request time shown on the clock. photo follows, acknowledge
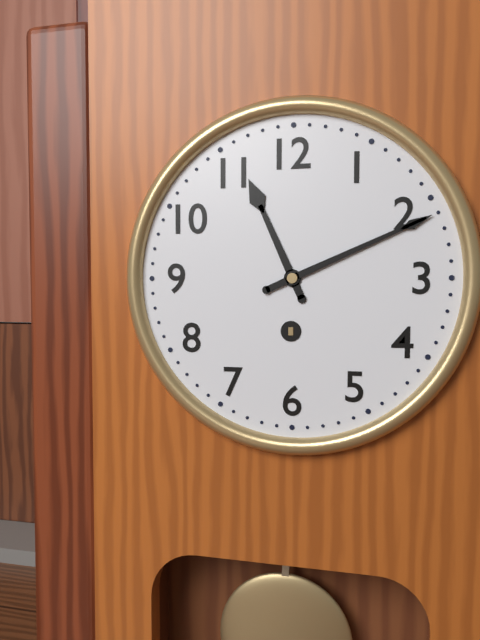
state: 11:11
